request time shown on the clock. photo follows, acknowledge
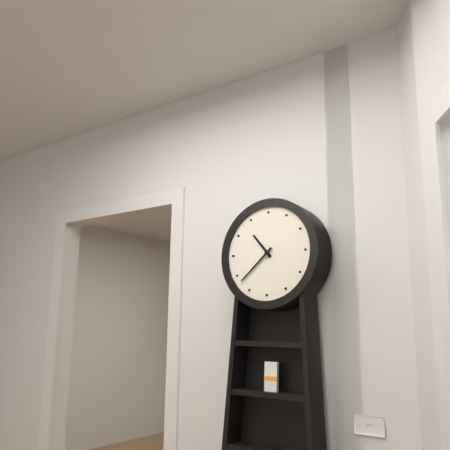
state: 10:38
